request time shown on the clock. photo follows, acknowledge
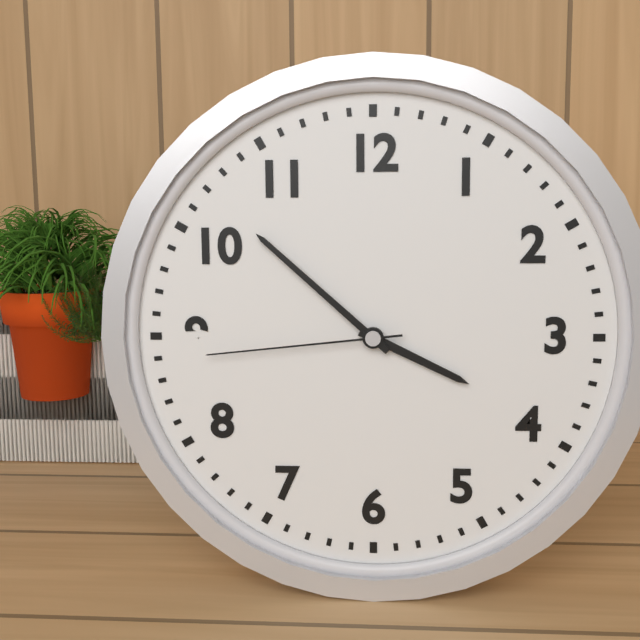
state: 3:52:44
